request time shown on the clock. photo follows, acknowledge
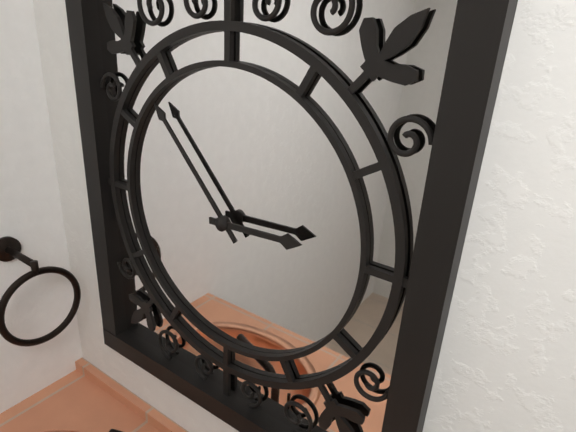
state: 2:53
